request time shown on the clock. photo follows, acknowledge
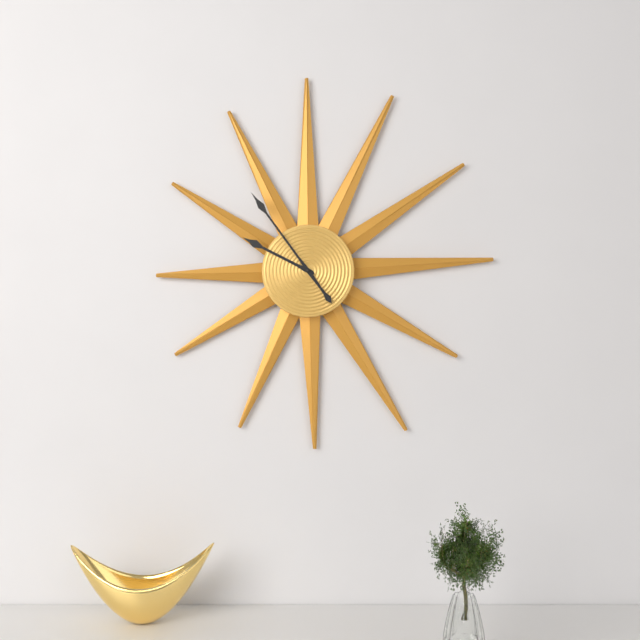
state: 9:54
